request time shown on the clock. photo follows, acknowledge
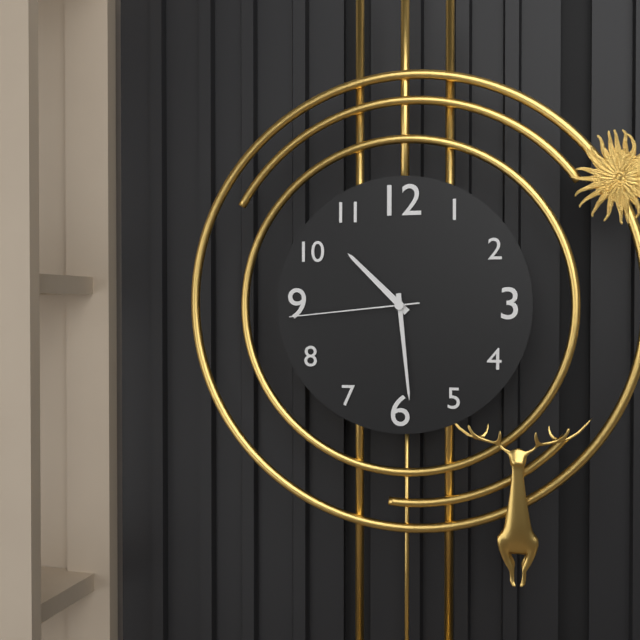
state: 10:29:44
